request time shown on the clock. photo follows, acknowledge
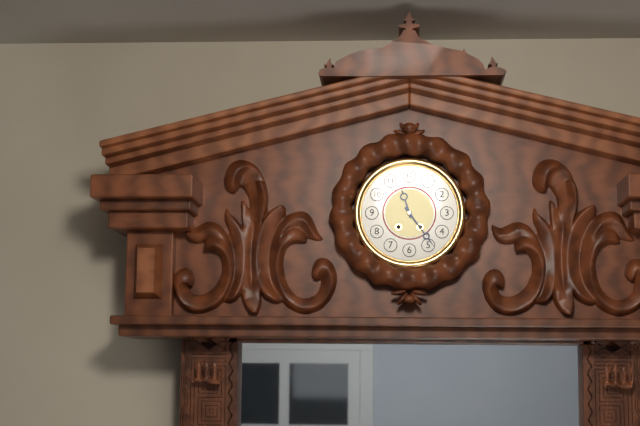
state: 11:24
